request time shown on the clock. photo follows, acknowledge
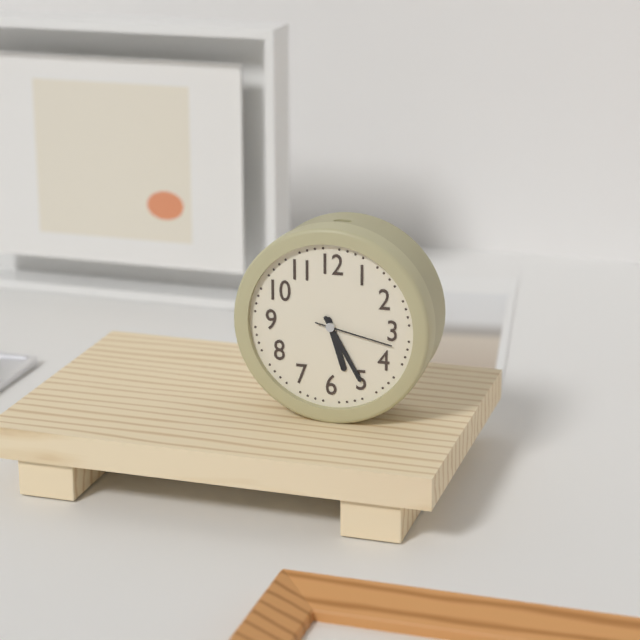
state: 5:25:17
